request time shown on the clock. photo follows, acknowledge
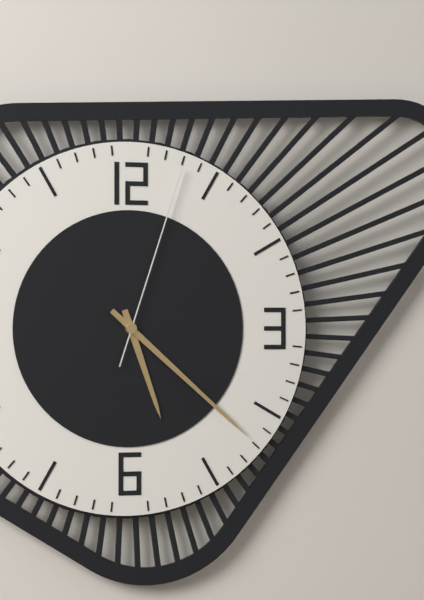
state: 5:22:03
